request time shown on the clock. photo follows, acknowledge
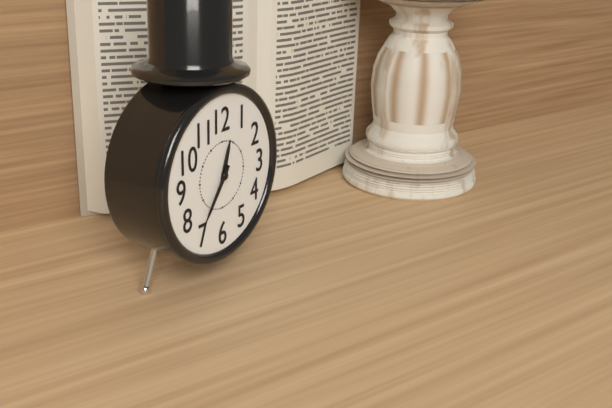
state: 12:36
